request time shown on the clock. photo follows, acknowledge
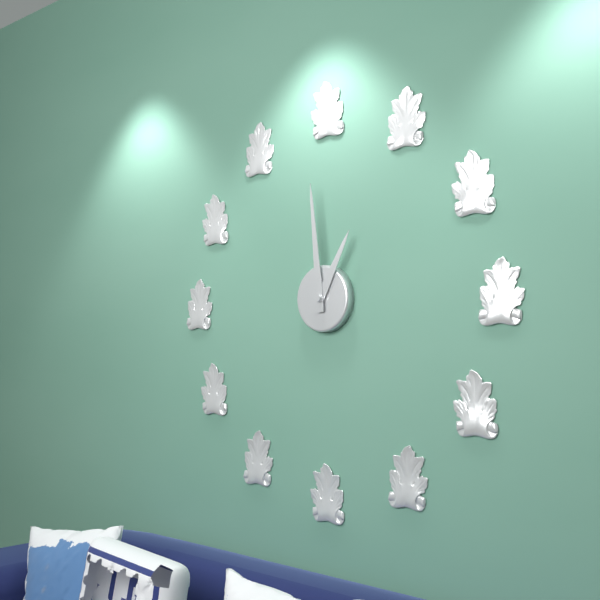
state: 12:59
